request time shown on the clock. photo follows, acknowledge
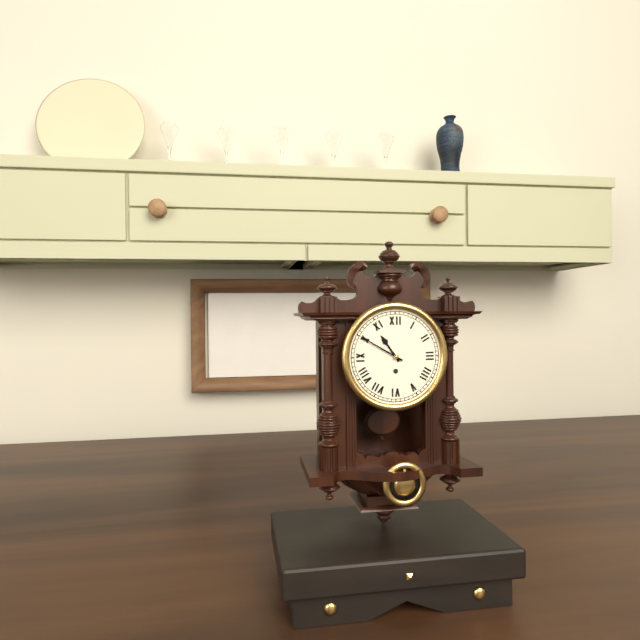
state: 10:50
